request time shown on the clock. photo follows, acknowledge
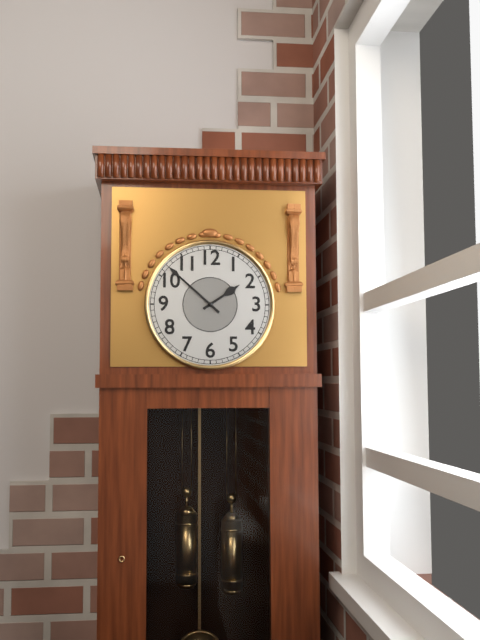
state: 1:52
